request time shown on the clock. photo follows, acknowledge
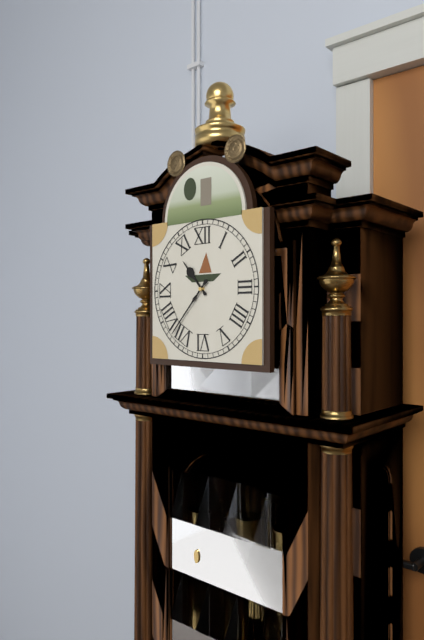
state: 10:37
